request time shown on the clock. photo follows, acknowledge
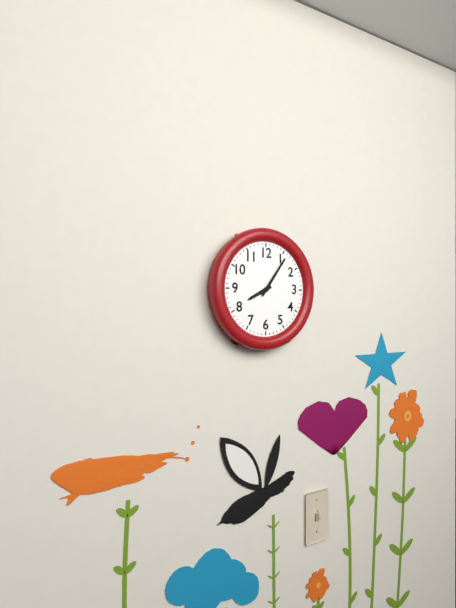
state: 8:06
